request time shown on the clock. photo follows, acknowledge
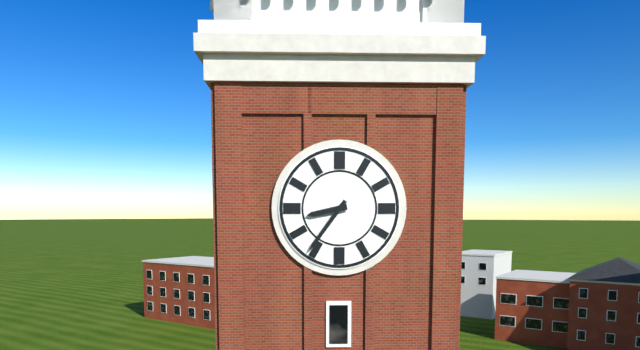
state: 8:36
